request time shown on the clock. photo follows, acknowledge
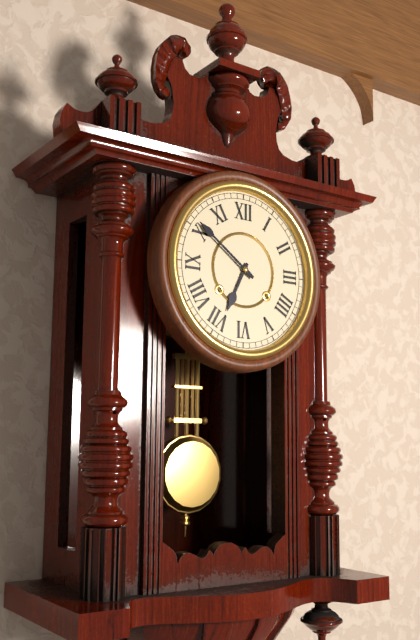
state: 6:51
